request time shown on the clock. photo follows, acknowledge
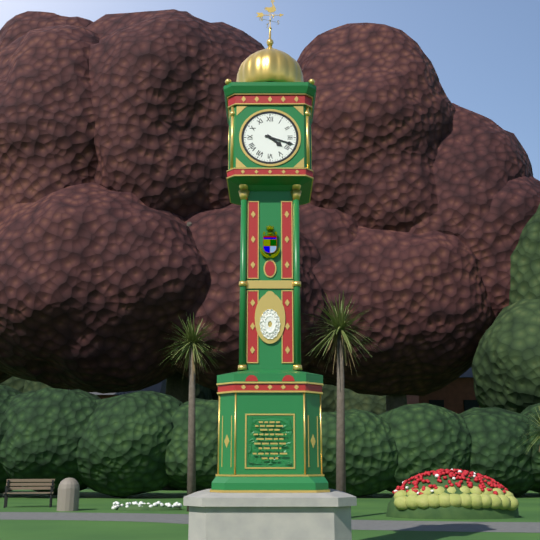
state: 4:18
